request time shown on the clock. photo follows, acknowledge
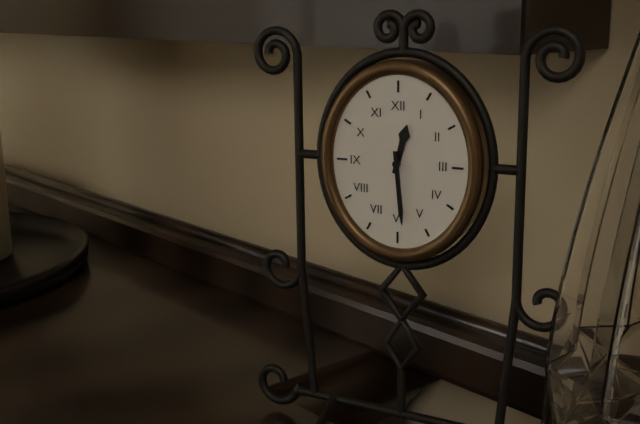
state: 12:29
